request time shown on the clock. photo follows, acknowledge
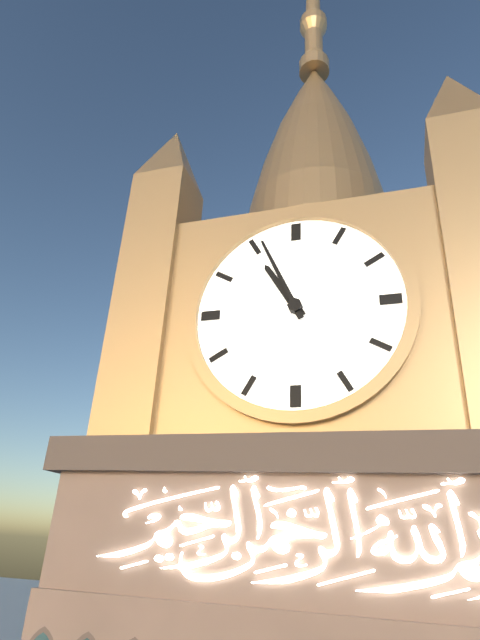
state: 10:56
